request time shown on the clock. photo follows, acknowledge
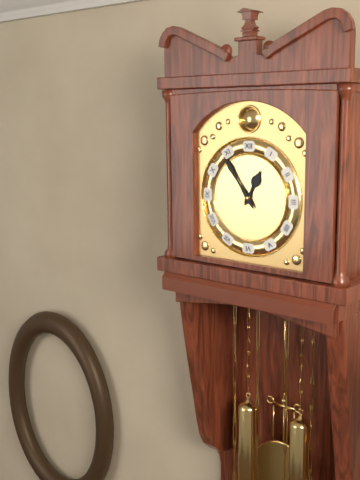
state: 12:54
